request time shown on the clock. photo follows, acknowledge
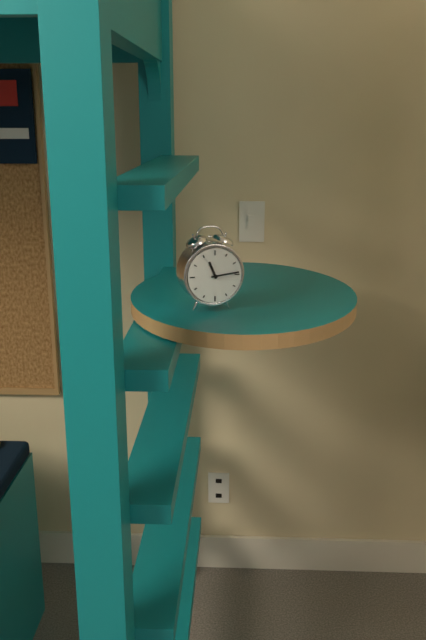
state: 11:14
